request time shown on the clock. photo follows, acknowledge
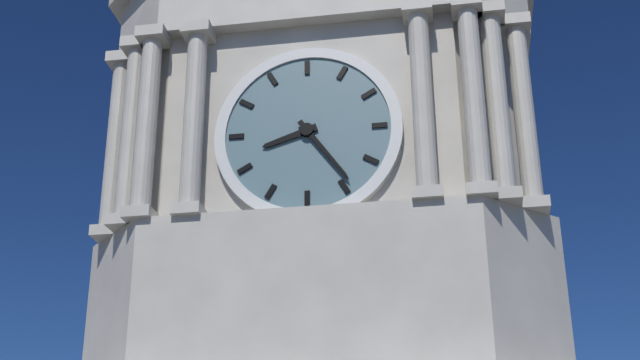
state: 8:24
